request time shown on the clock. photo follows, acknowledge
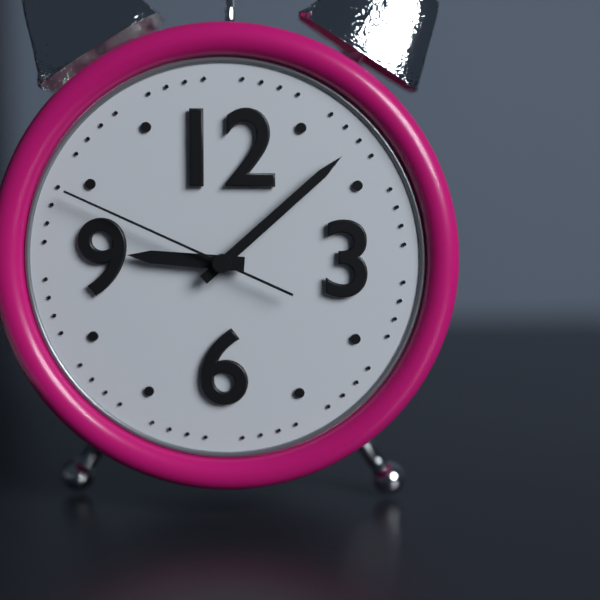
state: 9:08:49
